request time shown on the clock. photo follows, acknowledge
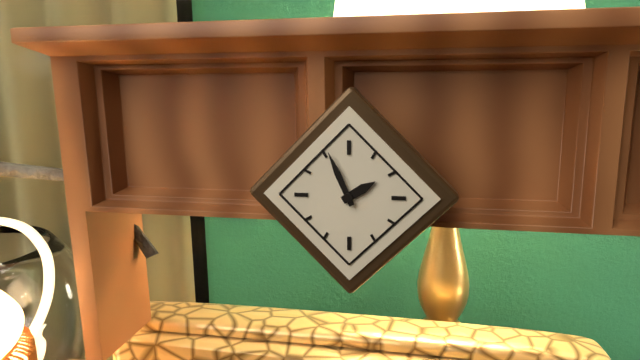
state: 1:56
